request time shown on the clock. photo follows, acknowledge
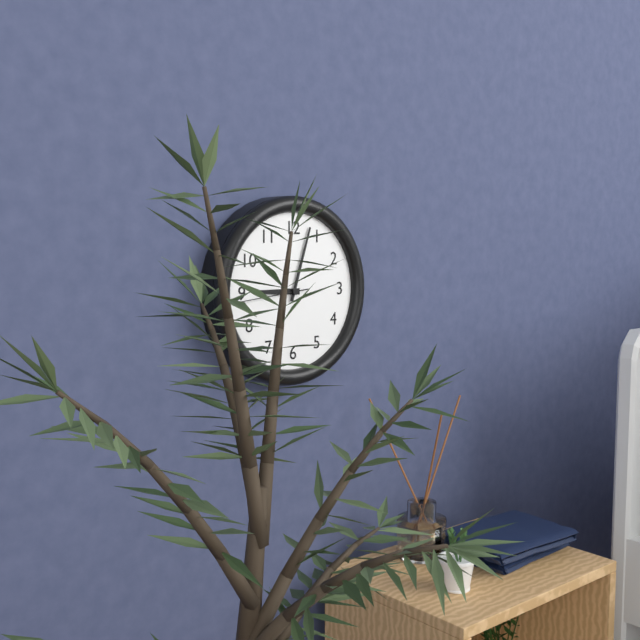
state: 9:03:44
